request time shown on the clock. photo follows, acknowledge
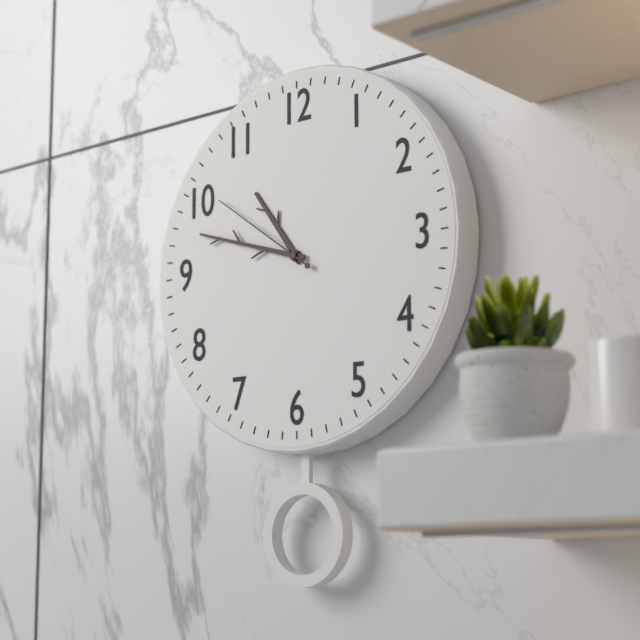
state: 10:48:51
